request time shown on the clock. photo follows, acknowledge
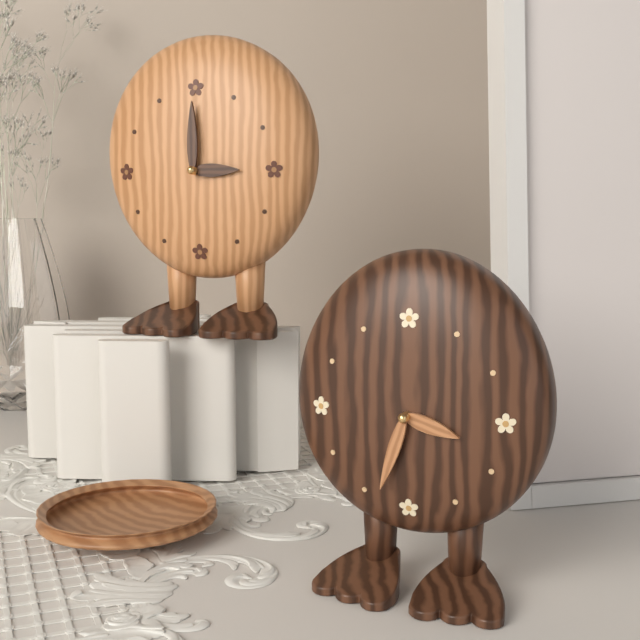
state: 3:33
